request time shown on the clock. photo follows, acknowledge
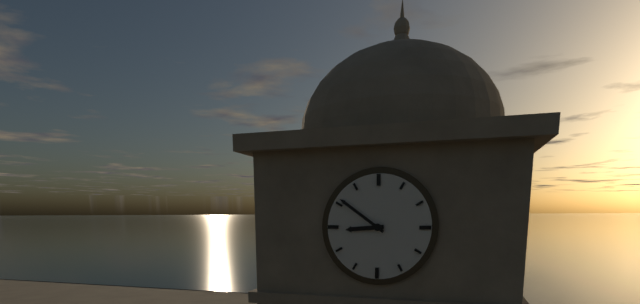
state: 8:51
